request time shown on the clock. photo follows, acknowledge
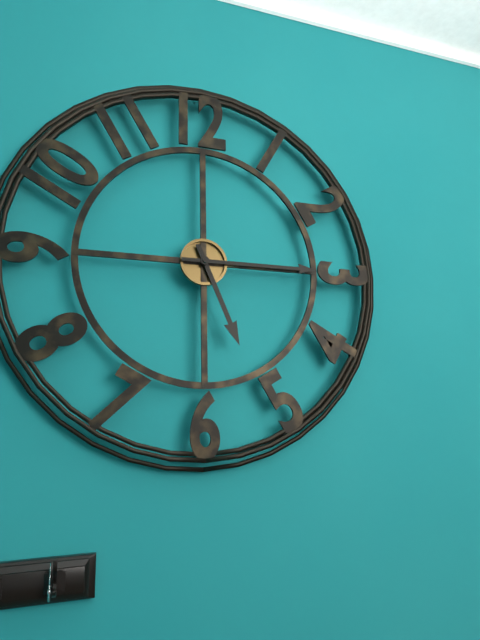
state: 5:15
